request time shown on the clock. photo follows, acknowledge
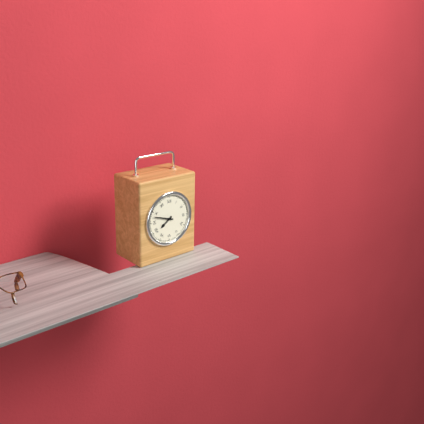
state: 7:48
